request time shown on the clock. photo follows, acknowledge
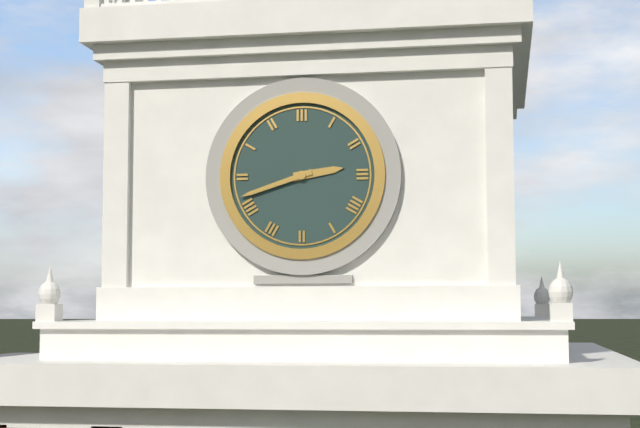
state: 2:42
